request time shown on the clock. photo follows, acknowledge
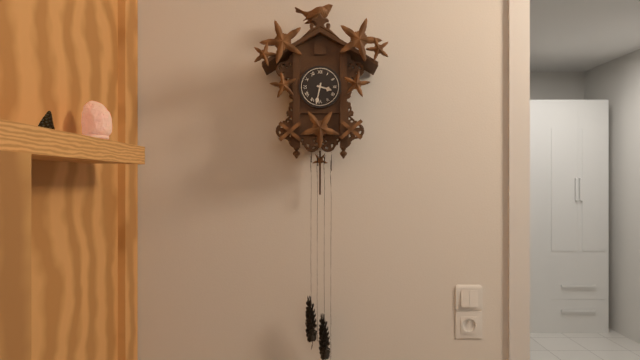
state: 3:32
